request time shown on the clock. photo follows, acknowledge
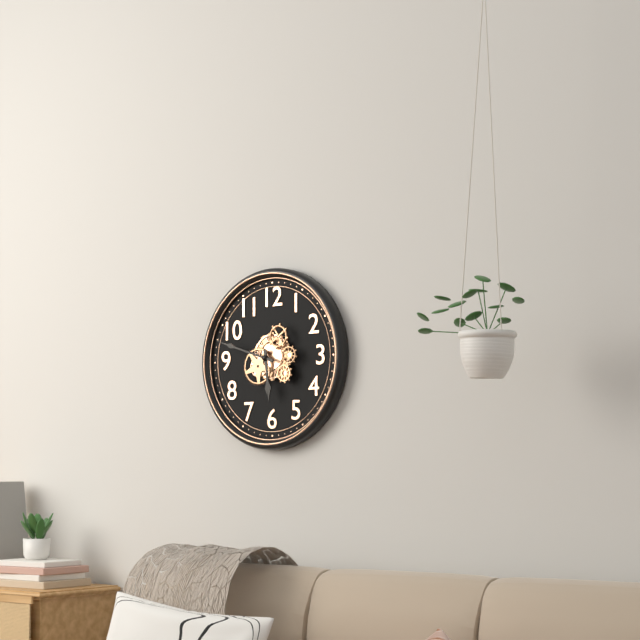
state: 5:48
